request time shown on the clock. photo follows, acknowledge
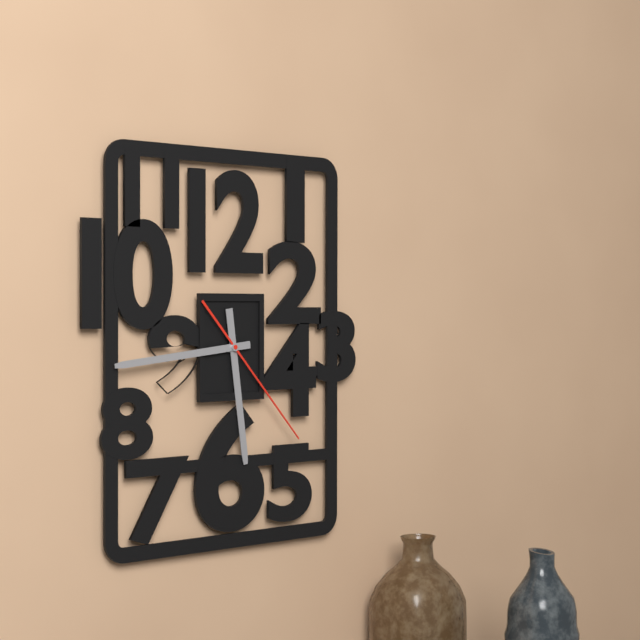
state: 5:44:23
